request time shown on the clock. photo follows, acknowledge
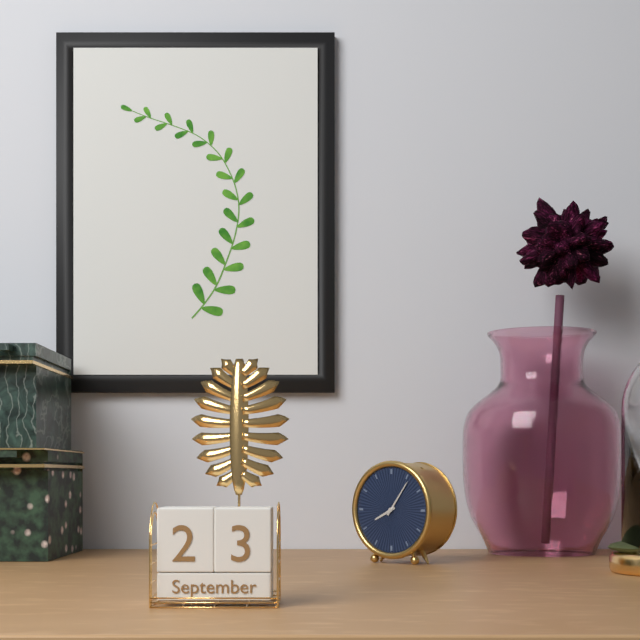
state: 8:06
